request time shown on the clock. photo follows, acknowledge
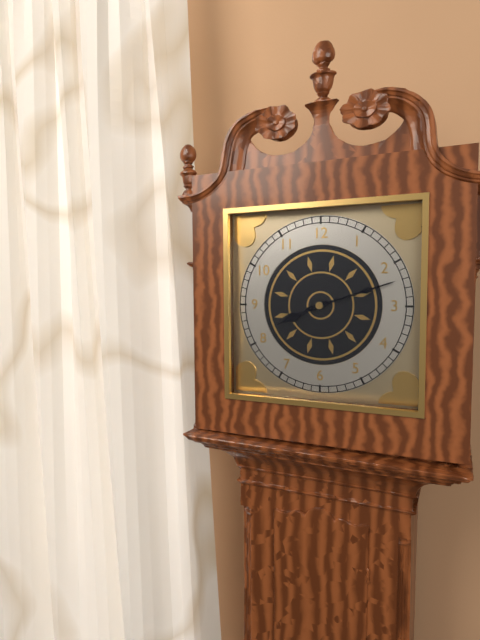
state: 8:12
